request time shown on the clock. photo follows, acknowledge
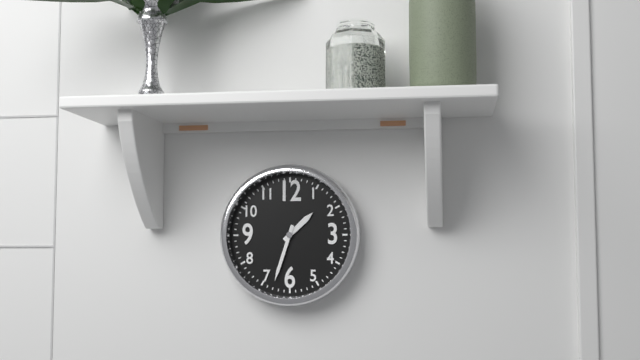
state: 1:33
